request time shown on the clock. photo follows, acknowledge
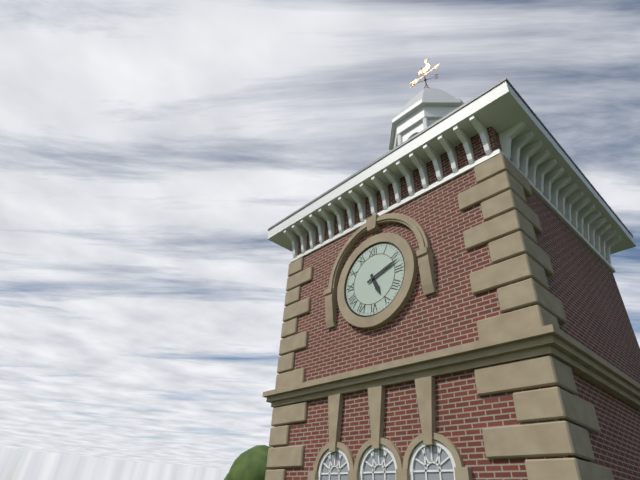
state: 5:12
